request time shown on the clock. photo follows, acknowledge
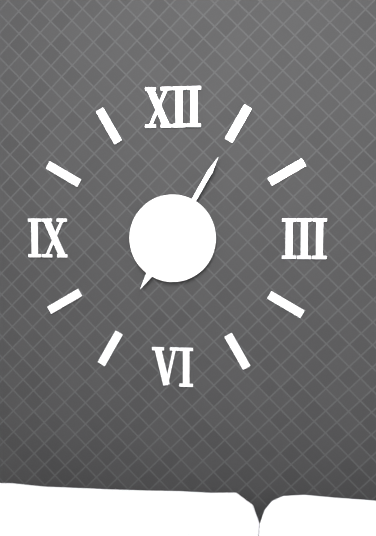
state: 7:05
